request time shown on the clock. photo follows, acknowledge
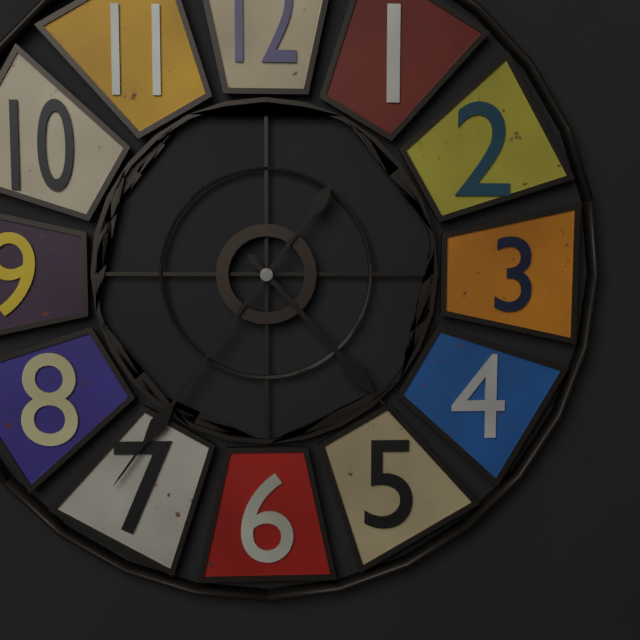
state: 4:36
